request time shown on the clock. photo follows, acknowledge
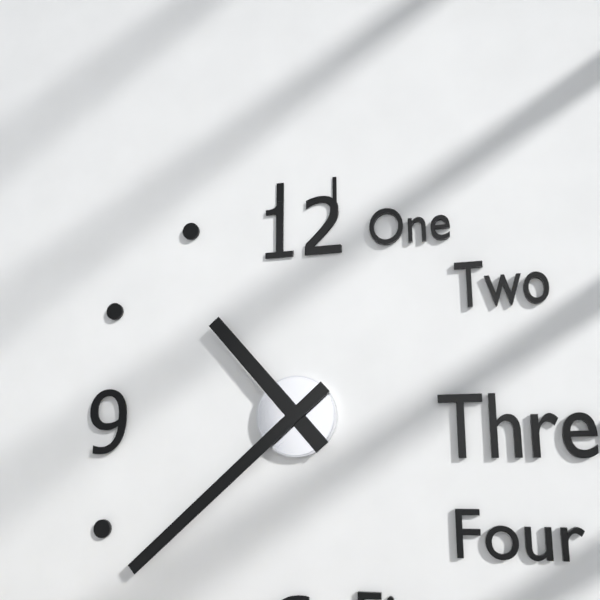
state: 10:38
